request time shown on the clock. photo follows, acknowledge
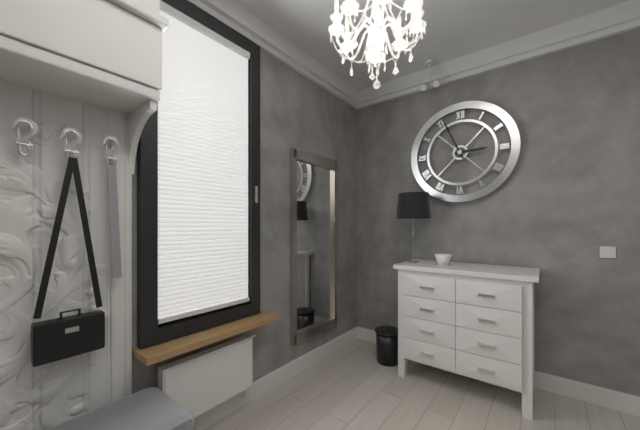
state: 2:56
